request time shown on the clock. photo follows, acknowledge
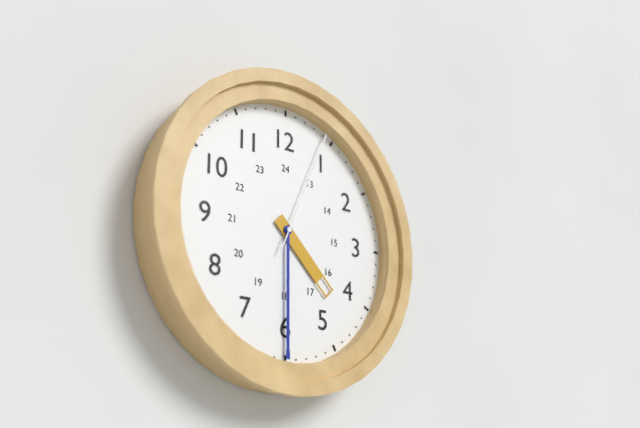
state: 4:30:04
